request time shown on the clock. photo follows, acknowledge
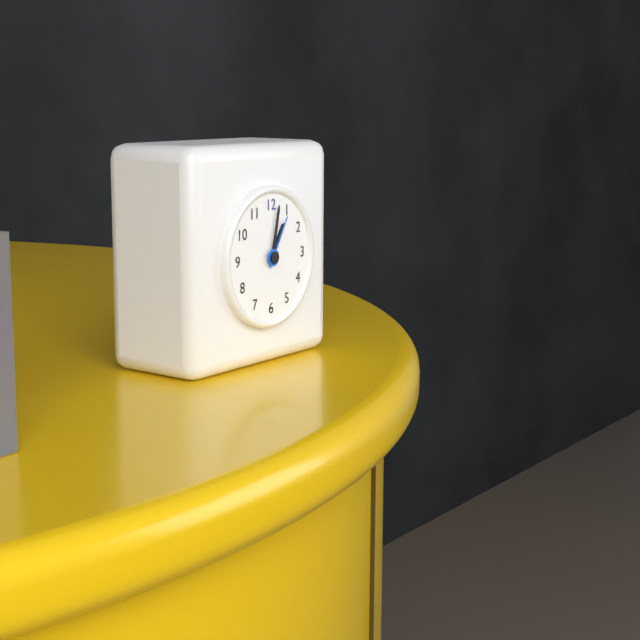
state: 1:02:05
